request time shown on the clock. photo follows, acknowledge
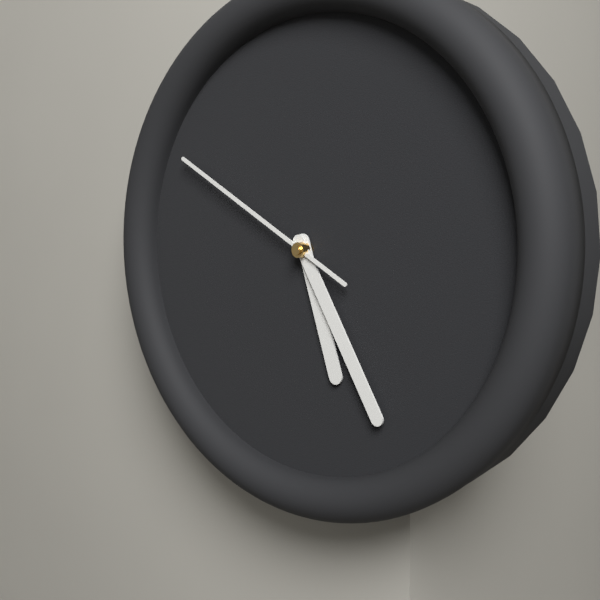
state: 5:25:50
